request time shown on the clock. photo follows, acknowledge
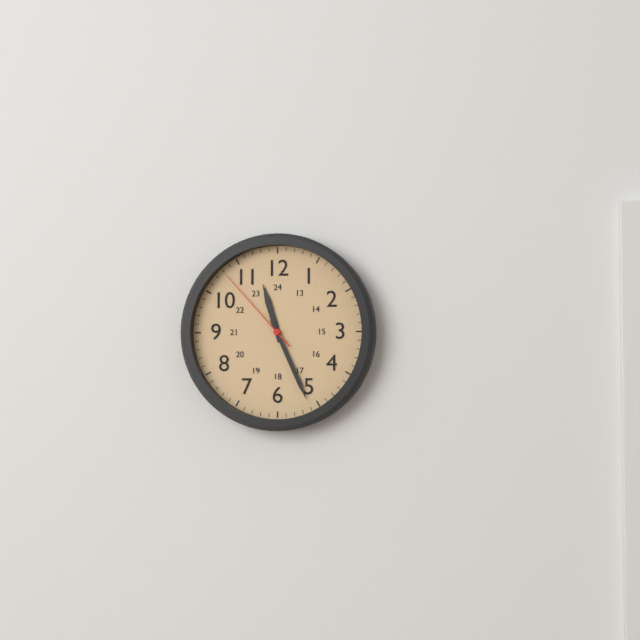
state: 11:26:53
